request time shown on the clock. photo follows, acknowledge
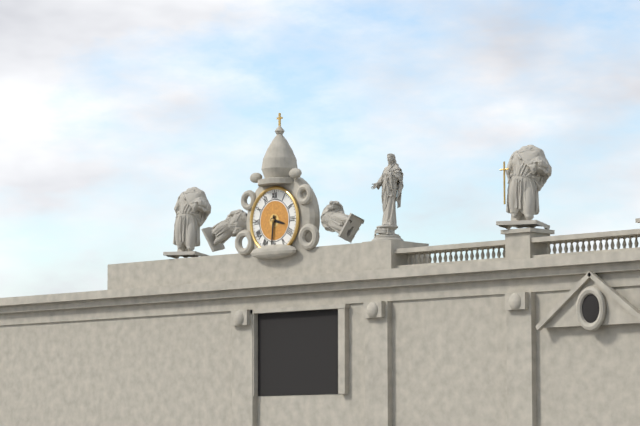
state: 3:31
